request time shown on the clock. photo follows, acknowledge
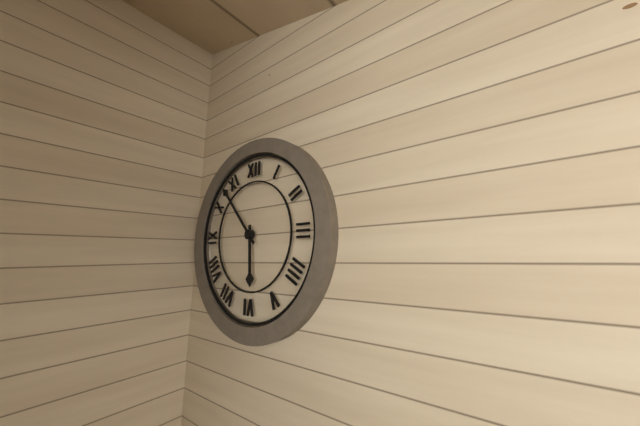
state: 5:53
